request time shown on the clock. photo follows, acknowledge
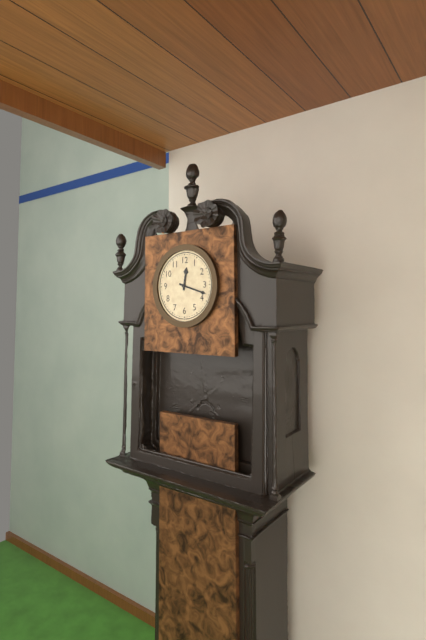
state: 12:18
